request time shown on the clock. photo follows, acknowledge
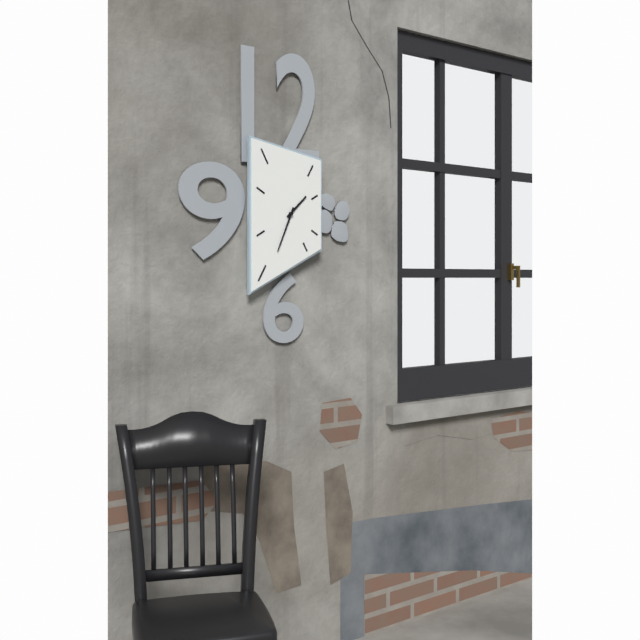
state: 1:34
